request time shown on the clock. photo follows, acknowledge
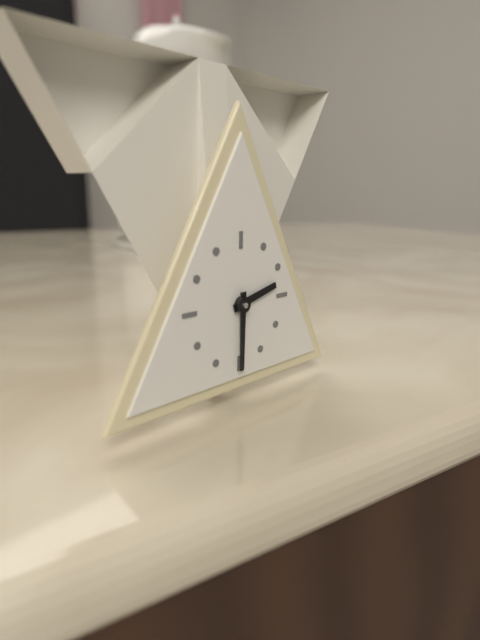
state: 2:30
